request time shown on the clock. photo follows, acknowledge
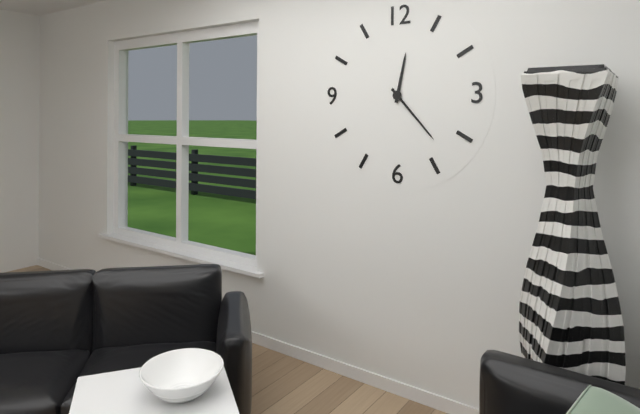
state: 12:23
